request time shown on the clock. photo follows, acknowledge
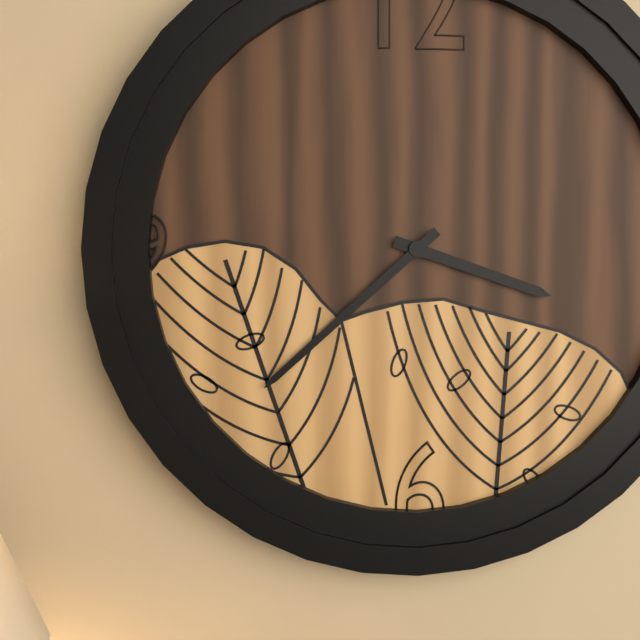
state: 3:38
